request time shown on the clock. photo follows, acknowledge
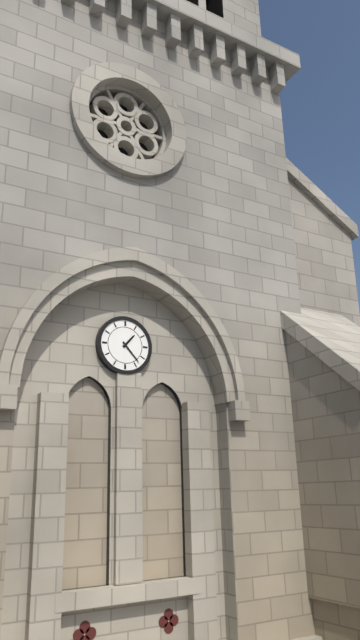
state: 1:23
